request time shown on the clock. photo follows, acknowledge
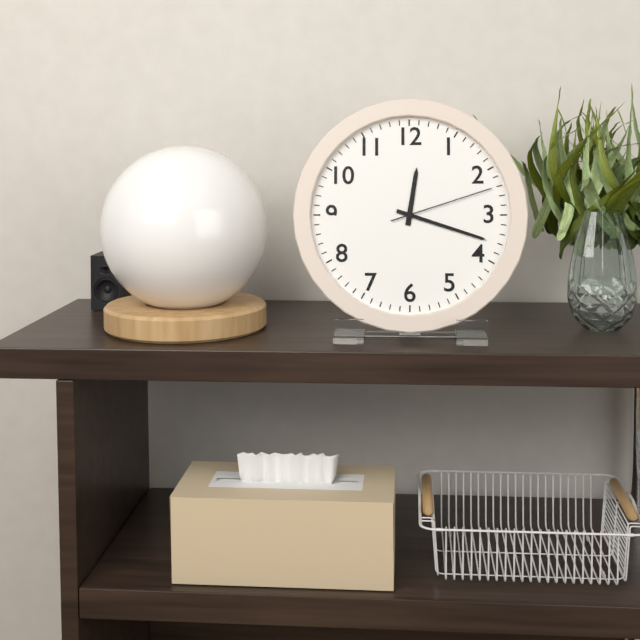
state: 12:18:12
